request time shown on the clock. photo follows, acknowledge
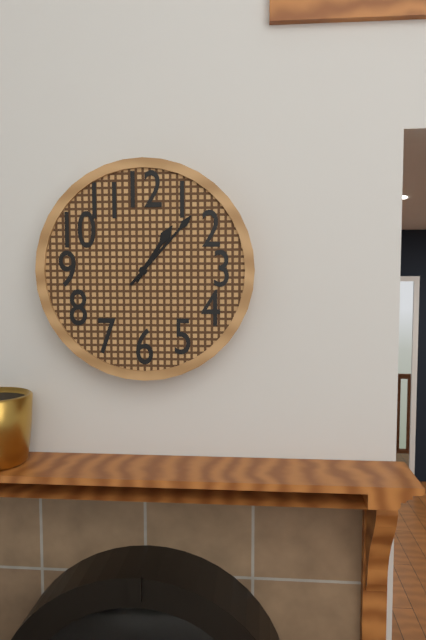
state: 1:07
